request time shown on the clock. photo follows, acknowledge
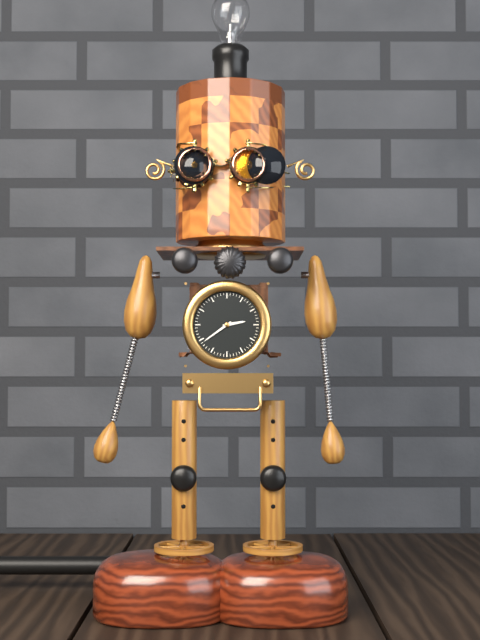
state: 2:39
